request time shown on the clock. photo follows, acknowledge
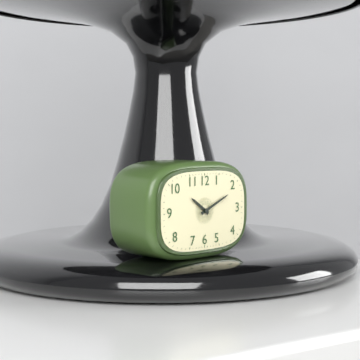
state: 10:11
